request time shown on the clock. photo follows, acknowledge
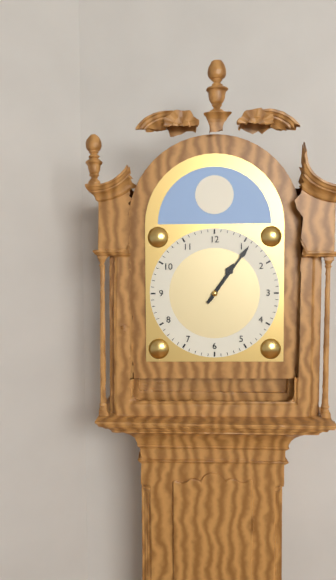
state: 1:06
